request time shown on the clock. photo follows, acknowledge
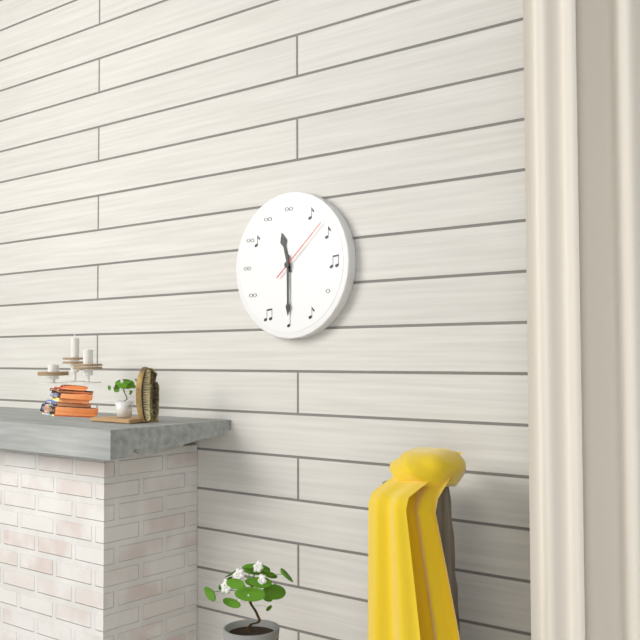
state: 11:30:08
